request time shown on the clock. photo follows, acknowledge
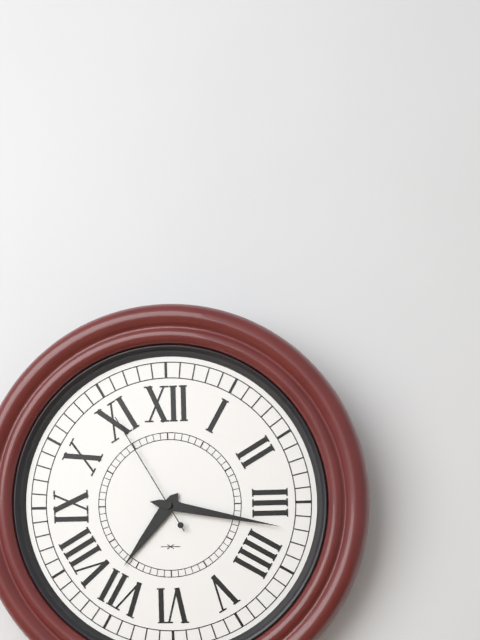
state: 7:17:55
